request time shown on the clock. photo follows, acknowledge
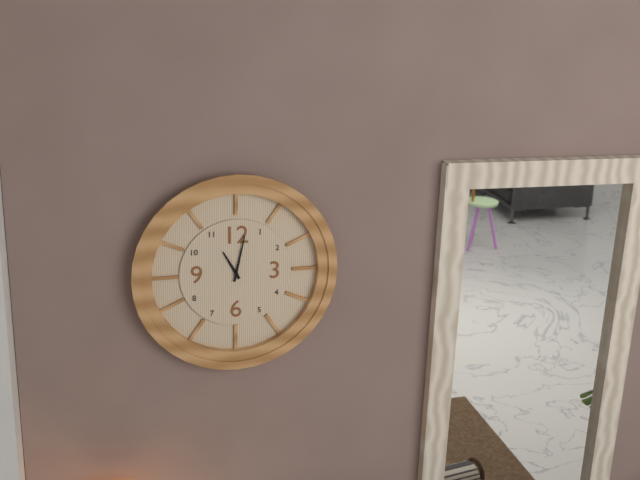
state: 11:02
